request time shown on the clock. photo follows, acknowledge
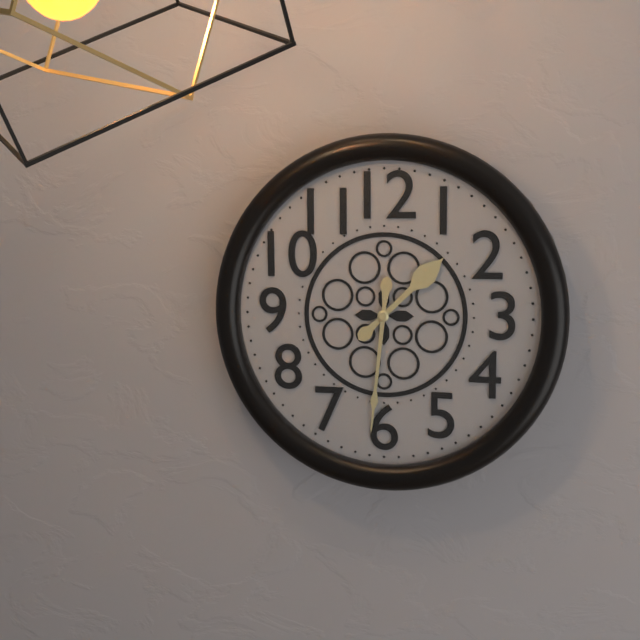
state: 1:31
